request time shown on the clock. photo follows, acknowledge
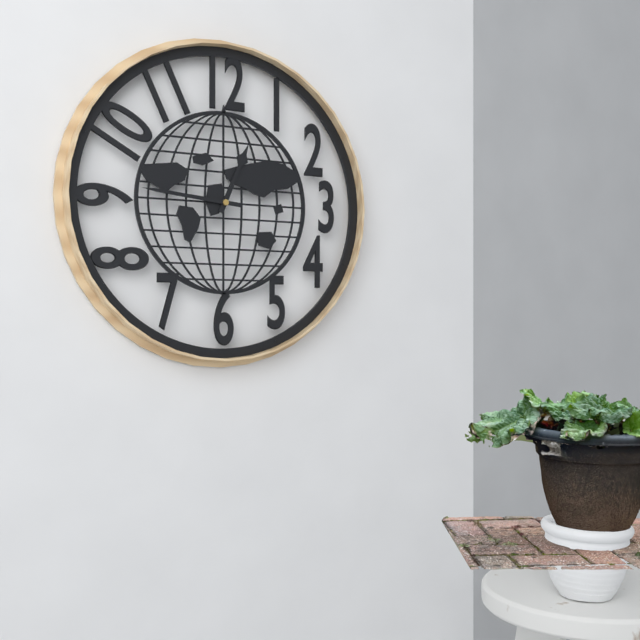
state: 12:46
